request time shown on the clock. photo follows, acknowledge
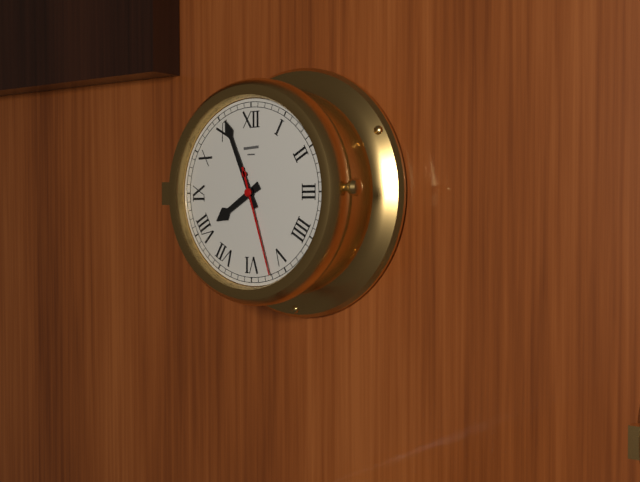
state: 7:56:27
